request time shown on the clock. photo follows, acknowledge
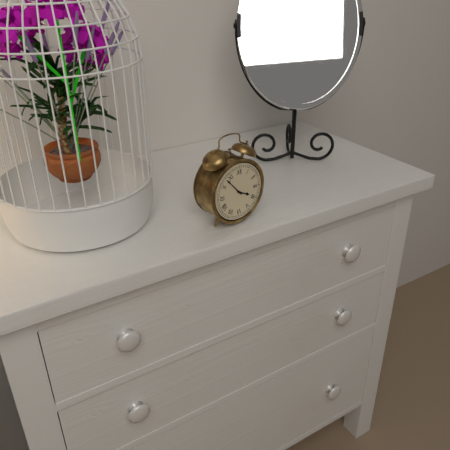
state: 3:53
